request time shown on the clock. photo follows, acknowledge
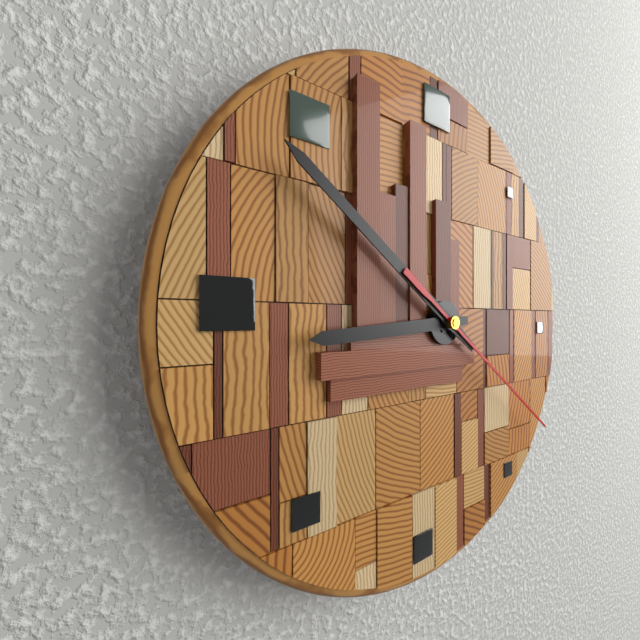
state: 8:51:21
